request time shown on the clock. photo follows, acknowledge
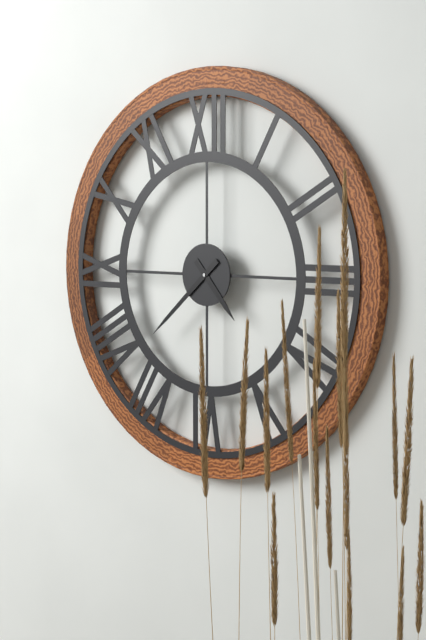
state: 4:38
